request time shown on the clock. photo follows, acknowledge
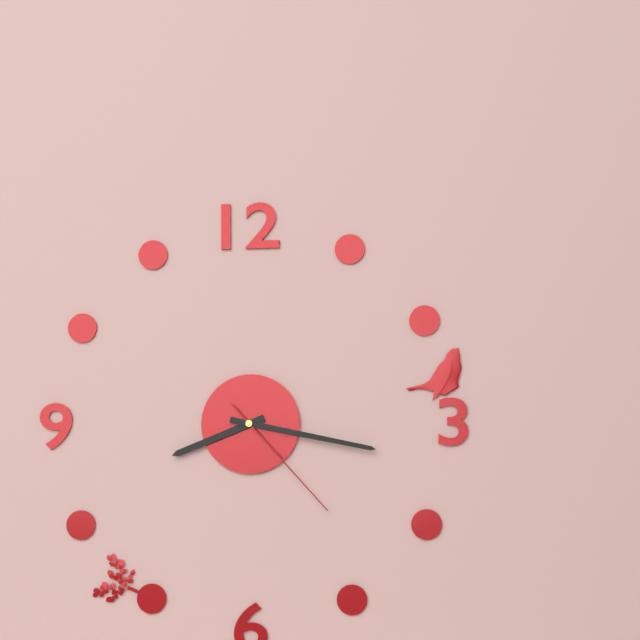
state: 8:17:23
